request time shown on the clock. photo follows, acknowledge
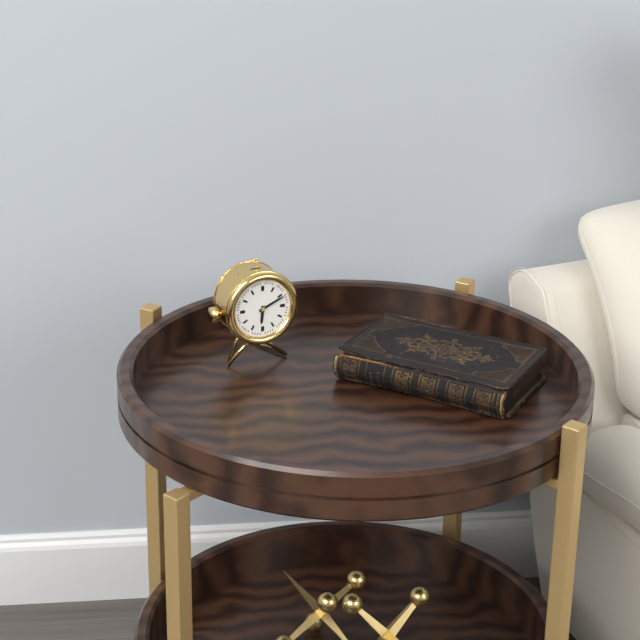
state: 6:11
